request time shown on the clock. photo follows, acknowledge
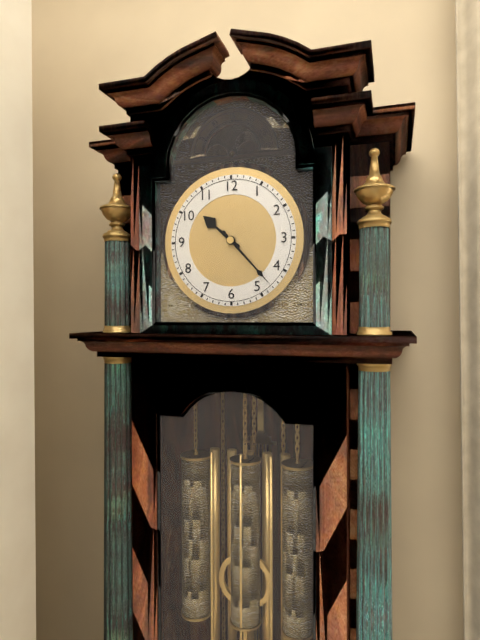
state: 10:23
